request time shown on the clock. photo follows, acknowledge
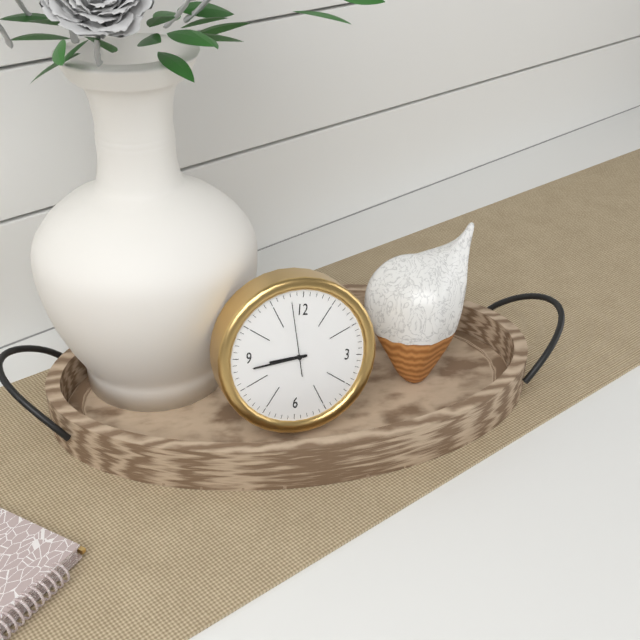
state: 8:43:58
